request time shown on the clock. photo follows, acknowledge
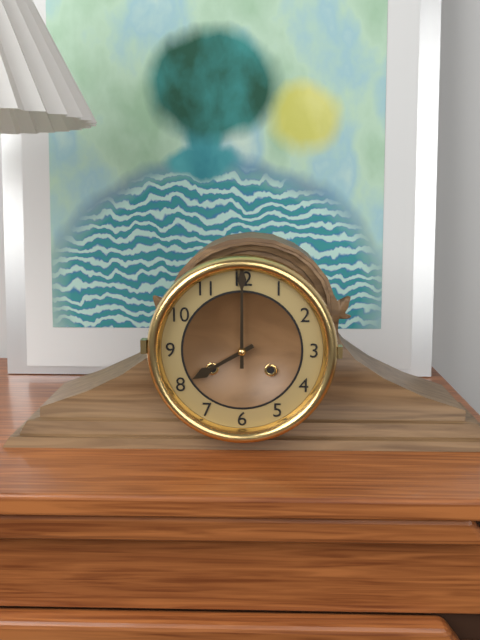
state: 8:00
